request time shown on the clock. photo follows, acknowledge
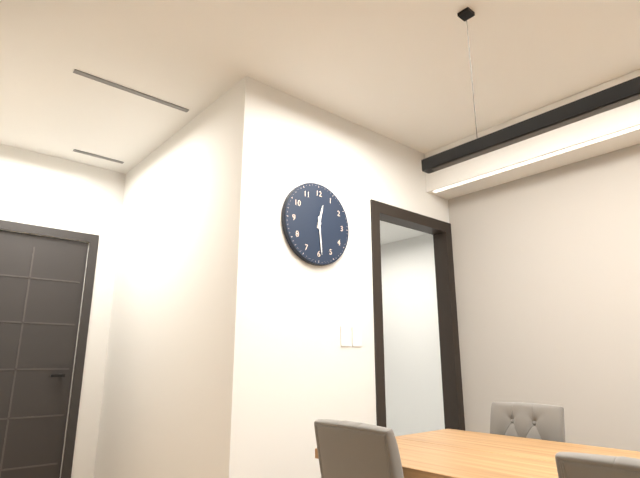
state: 12:29
